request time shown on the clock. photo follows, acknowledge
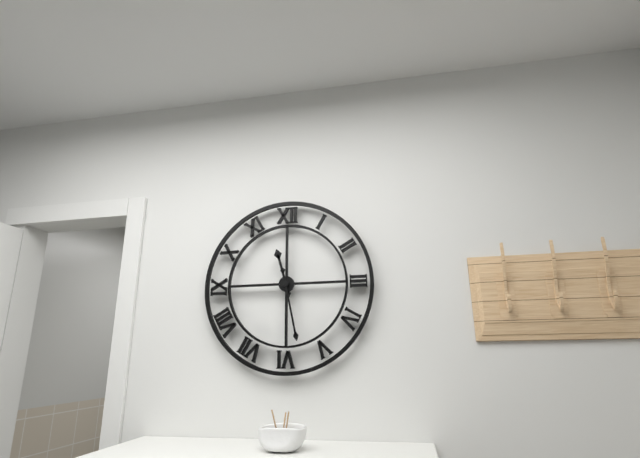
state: 11:28
